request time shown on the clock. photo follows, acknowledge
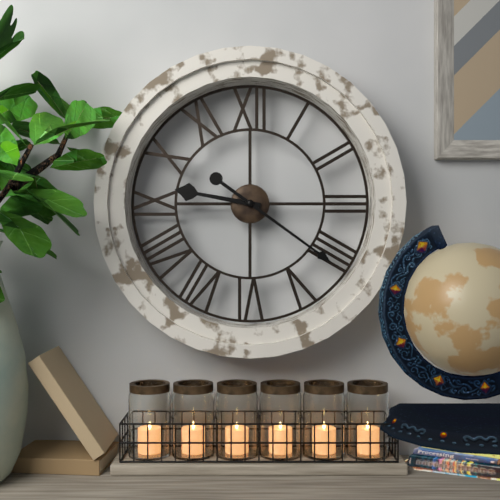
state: 9:21
